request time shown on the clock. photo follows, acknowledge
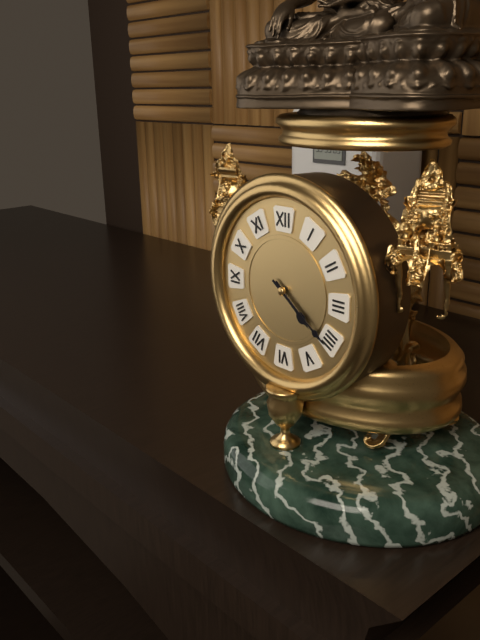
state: 4:21
